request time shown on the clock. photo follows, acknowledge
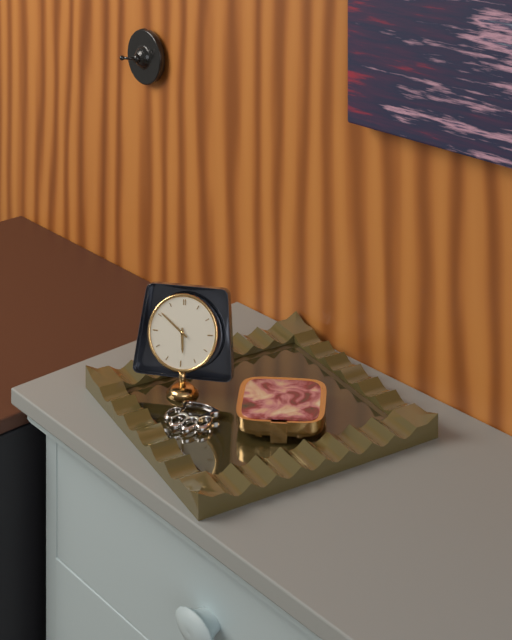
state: 5:51
